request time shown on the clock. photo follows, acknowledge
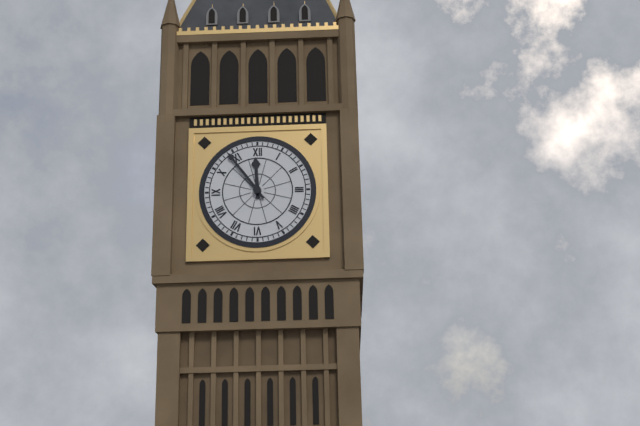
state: 11:54
